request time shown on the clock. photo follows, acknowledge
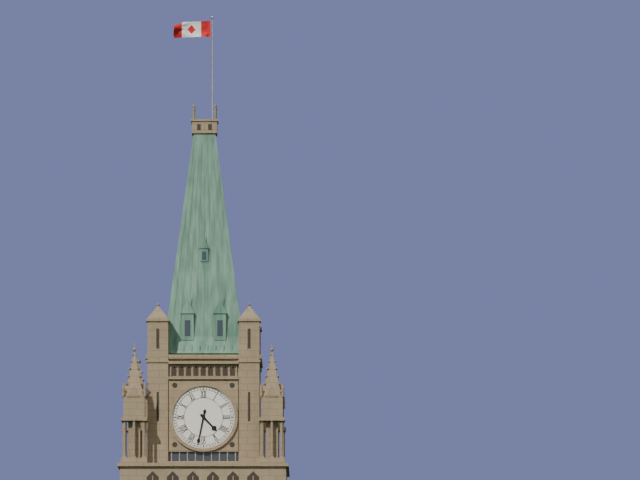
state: 4:32
